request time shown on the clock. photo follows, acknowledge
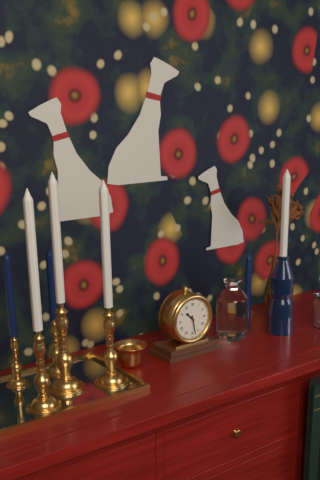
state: 10:28
